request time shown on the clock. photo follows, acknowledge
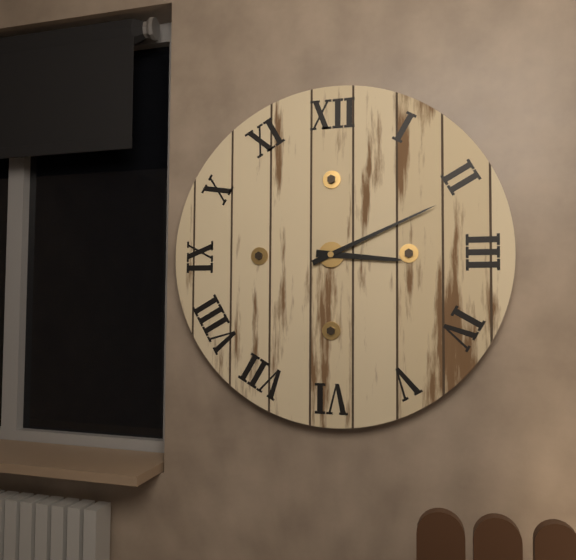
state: 3:11
